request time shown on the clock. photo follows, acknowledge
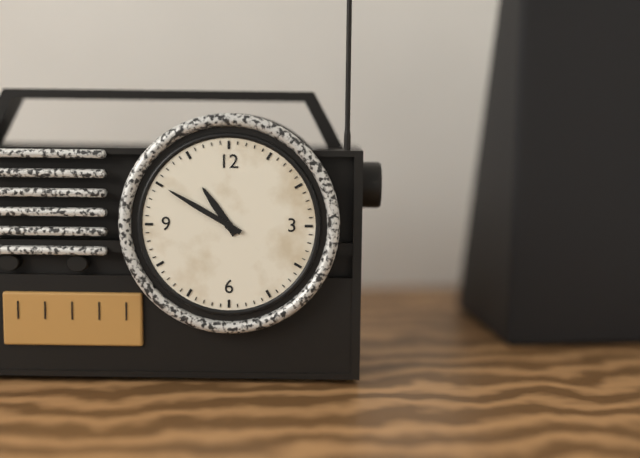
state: 10:50
